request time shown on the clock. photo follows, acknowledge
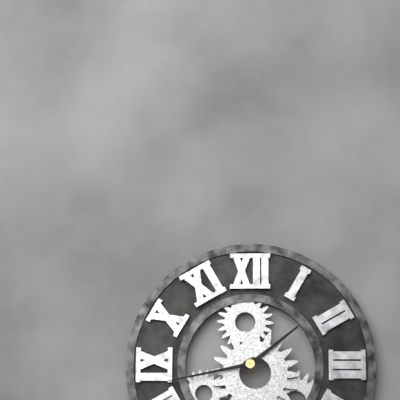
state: 1:43
